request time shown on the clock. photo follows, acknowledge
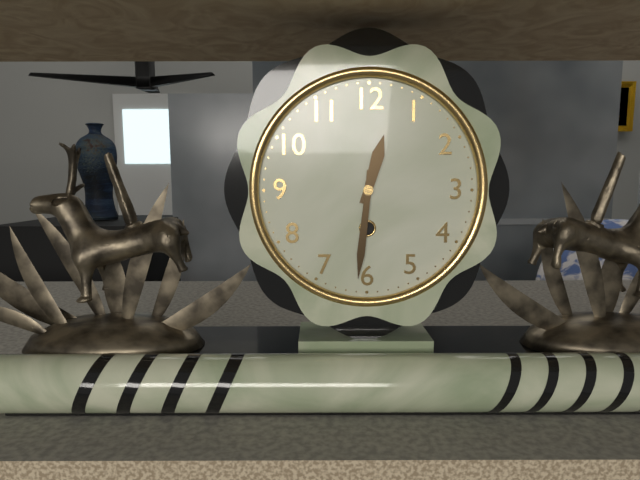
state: 12:31
